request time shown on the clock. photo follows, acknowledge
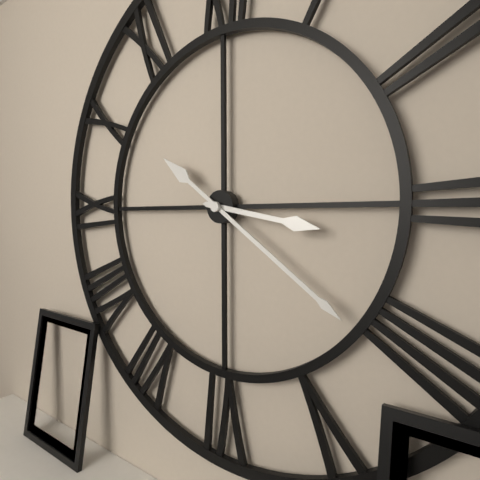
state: 3:21
